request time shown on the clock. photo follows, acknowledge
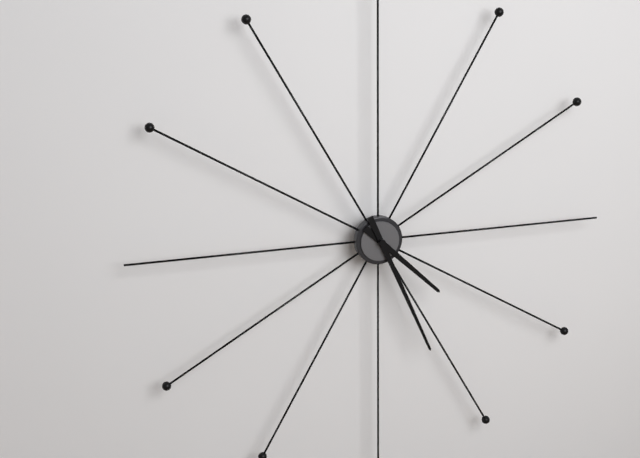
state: 4:26
